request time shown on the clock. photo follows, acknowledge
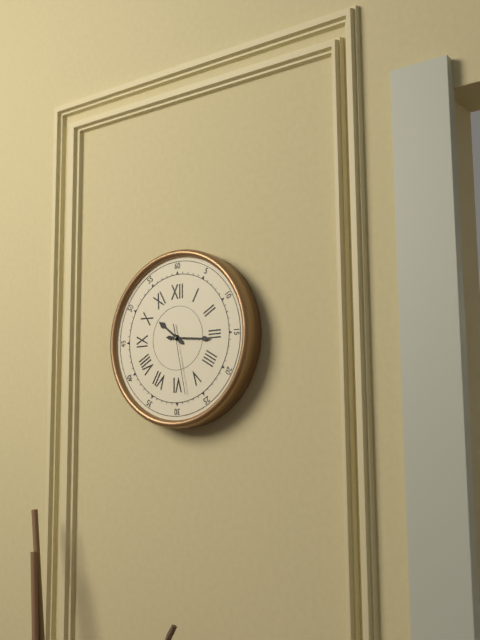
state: 10:16:28
